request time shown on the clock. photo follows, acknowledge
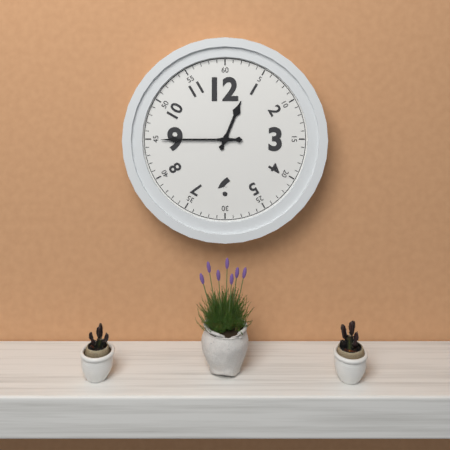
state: 12:45
